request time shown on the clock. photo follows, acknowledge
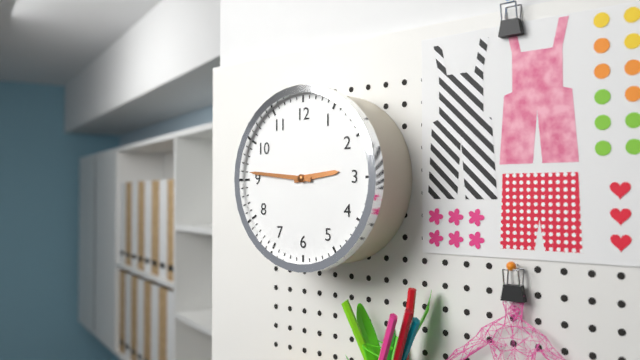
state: 2:46
